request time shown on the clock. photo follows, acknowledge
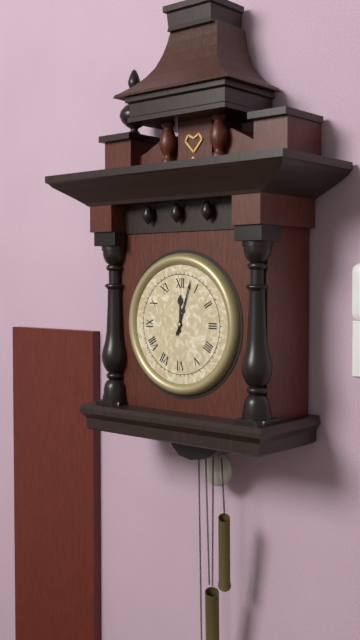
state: 12:03
